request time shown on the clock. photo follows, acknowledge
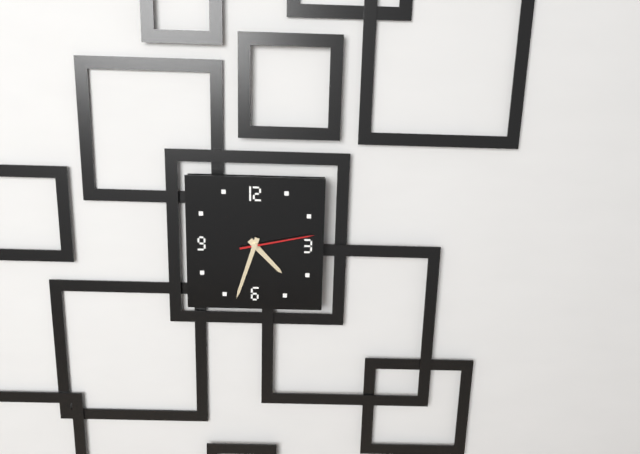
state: 4:33:13
